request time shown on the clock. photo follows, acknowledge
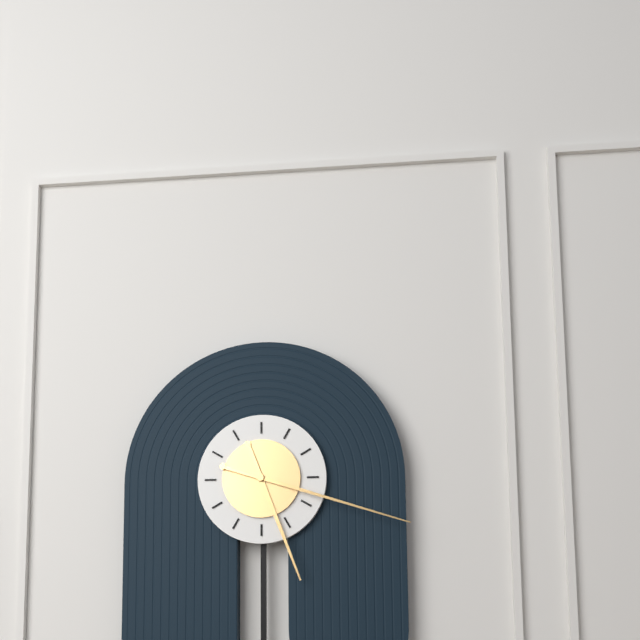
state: 5:18
